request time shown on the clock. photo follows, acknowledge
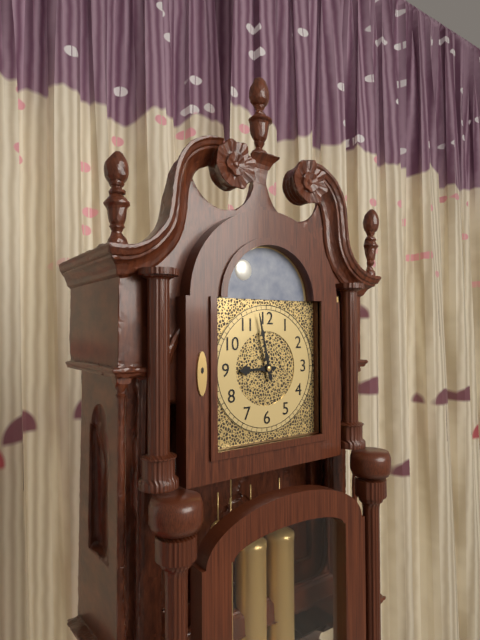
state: 8:58
